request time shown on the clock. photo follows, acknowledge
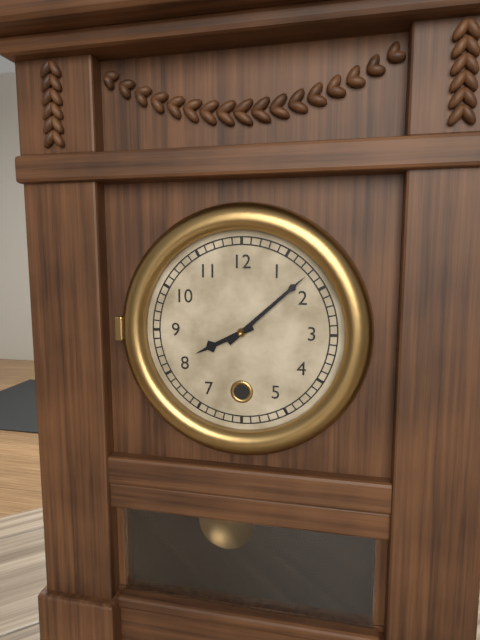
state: 8:08
